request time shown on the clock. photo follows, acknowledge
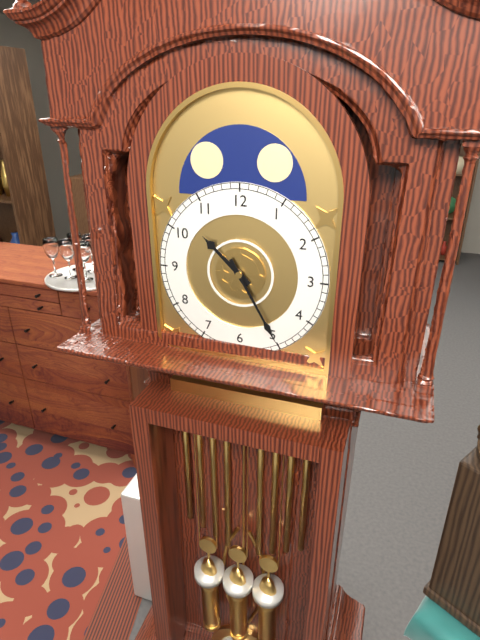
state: 10:25
